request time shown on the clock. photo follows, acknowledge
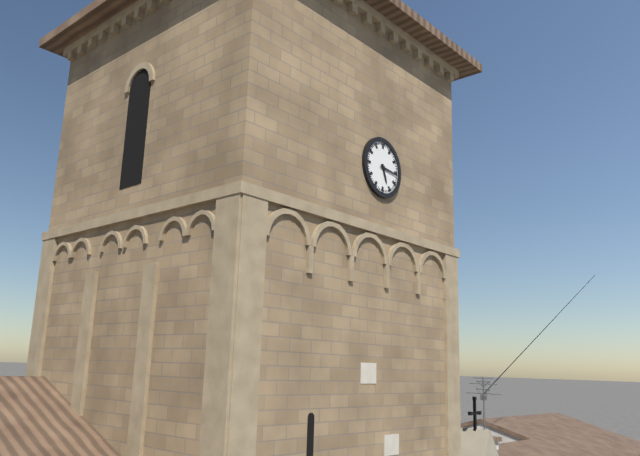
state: 5:16
